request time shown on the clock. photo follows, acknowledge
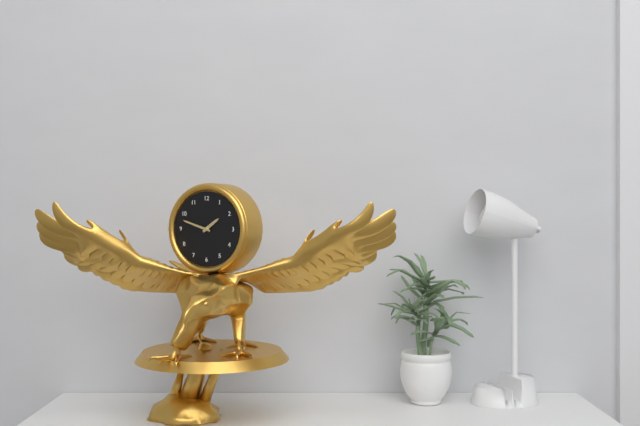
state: 1:48
